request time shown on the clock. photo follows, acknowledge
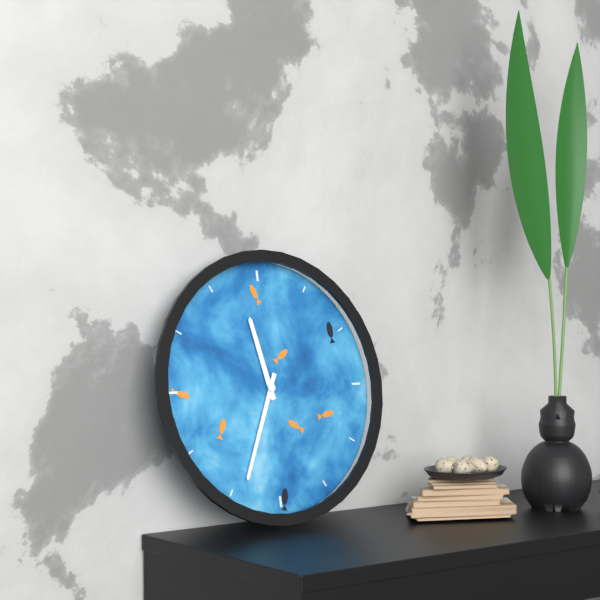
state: 11:34
